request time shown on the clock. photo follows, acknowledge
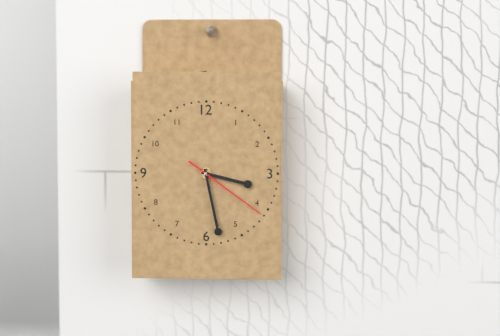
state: 3:28:21
